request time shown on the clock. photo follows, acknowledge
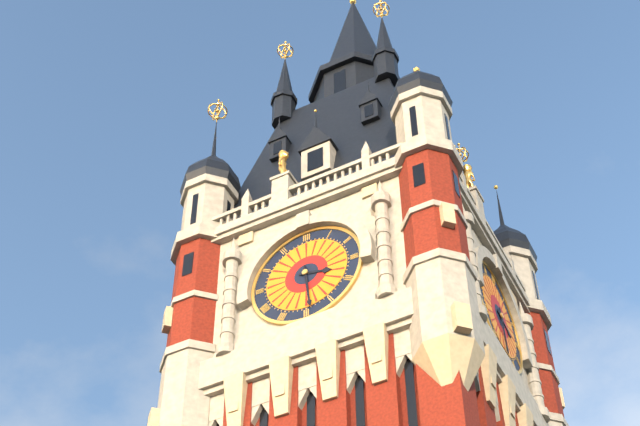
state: 3:29
